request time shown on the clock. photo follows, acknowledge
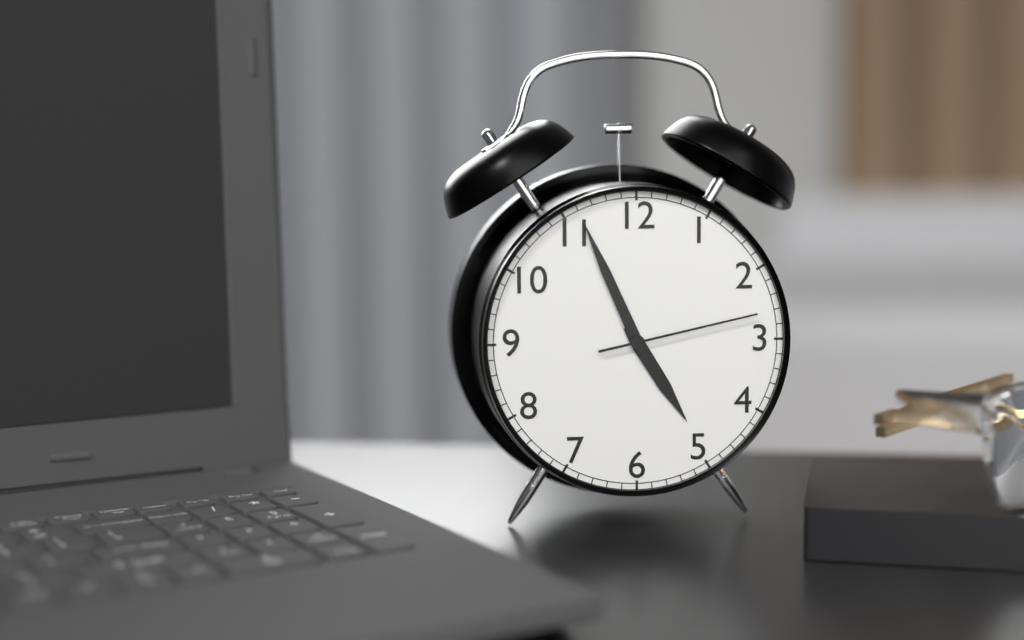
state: 4:56:13
